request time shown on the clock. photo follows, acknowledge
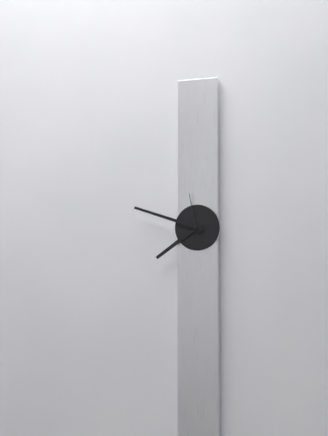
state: 7:48
